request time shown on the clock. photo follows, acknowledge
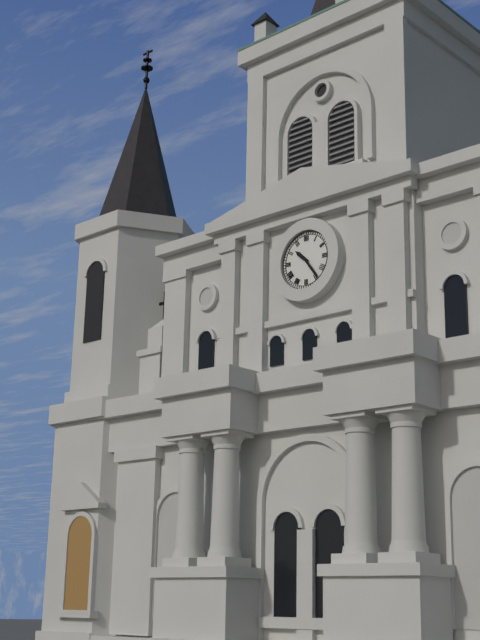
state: 10:24
